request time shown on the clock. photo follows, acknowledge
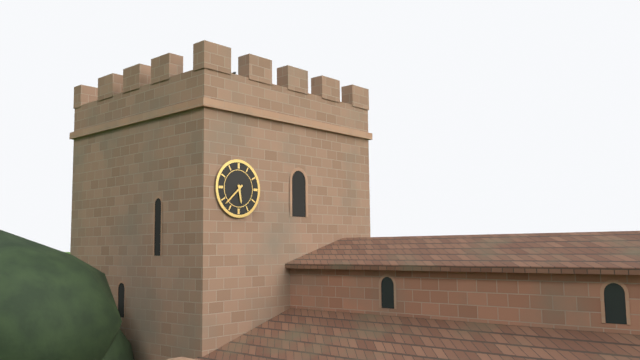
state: 5:38
